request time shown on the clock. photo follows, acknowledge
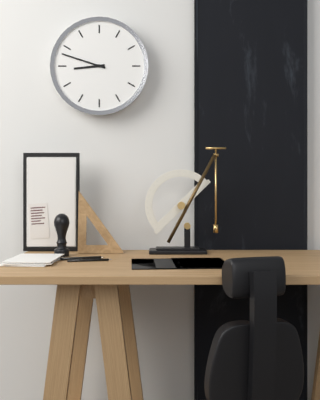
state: 8:48
